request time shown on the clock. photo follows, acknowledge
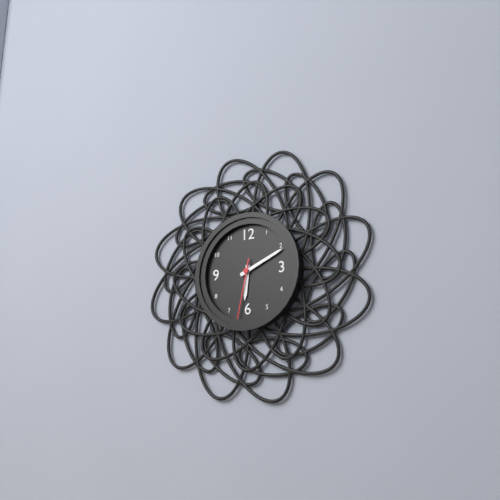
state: 6:11:32
